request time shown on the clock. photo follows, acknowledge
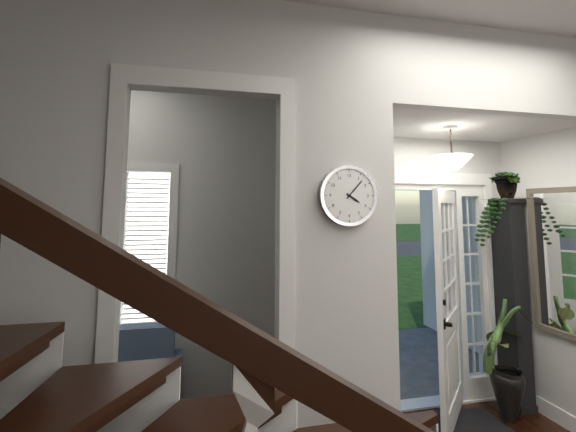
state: 4:07
